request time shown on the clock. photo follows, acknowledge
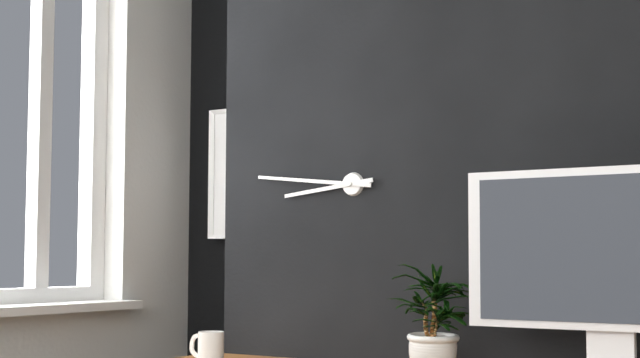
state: 8:46
